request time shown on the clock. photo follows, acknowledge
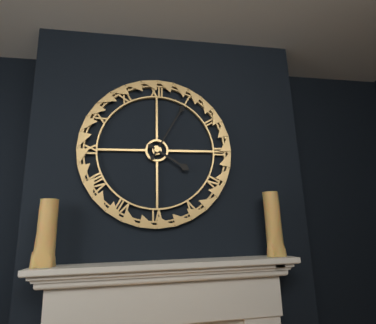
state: 4:05
